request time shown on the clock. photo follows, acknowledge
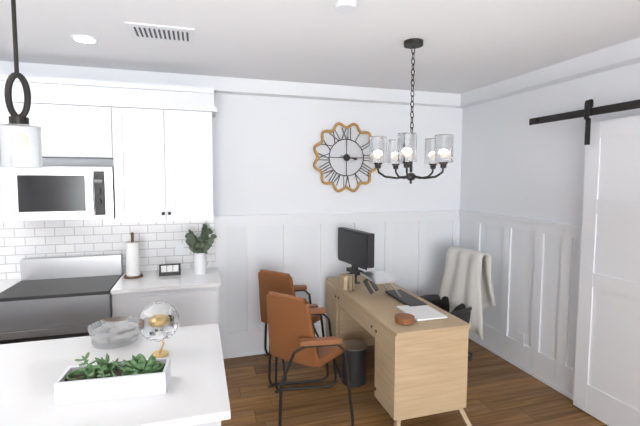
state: 3:15
